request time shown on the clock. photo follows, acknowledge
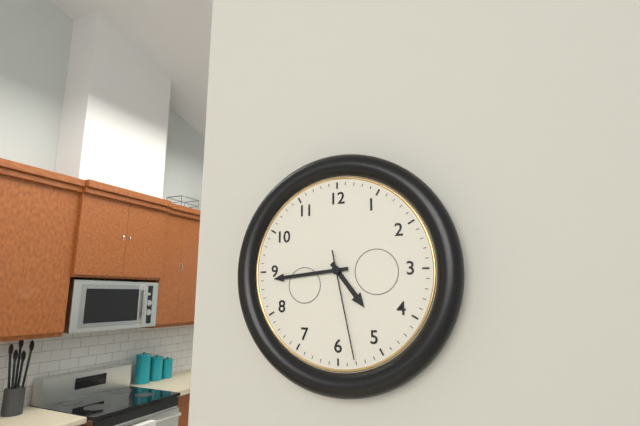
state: 4:44:28
